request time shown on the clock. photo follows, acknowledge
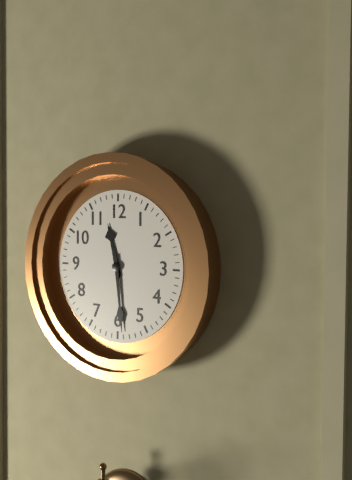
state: 11:29
